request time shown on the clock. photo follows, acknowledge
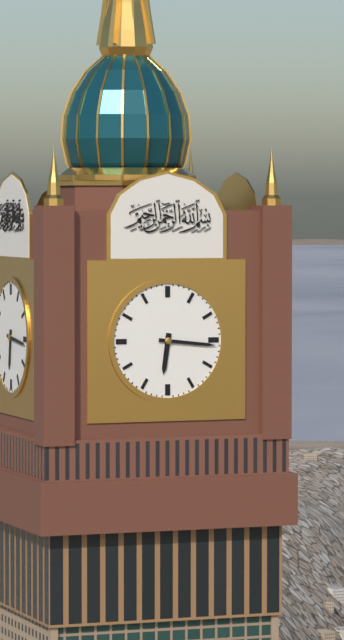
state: 6:16
